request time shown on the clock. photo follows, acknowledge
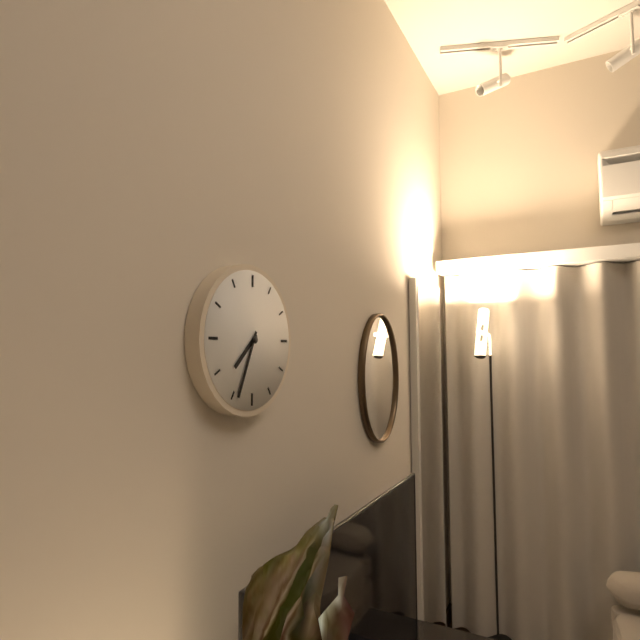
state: 7:34
